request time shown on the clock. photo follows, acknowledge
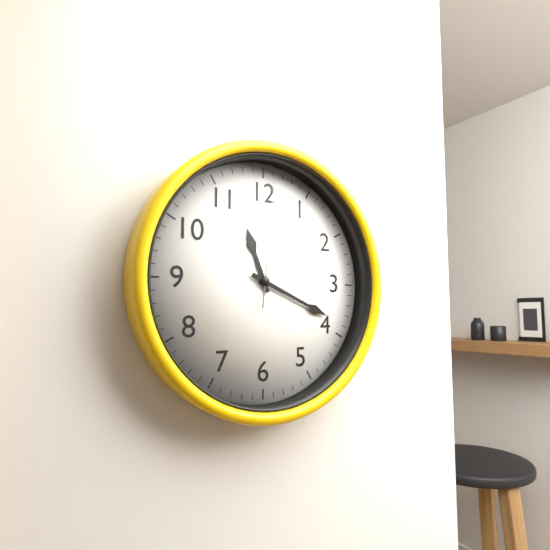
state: 11:19:01
